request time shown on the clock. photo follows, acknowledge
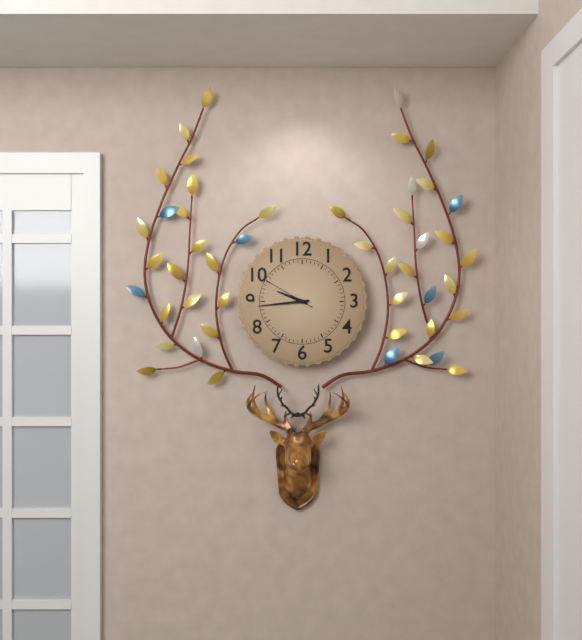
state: 9:44:50
